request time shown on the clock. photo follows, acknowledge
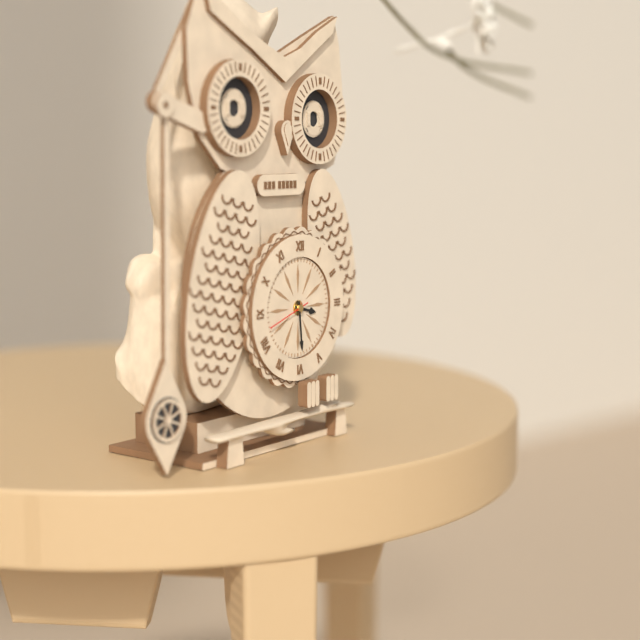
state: 3:29
